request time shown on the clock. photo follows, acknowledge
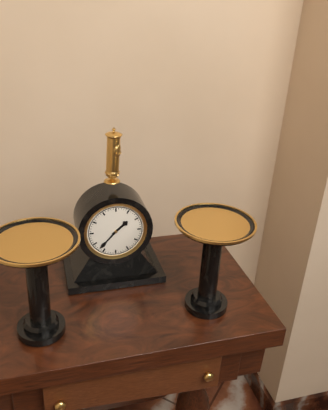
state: 1:37
